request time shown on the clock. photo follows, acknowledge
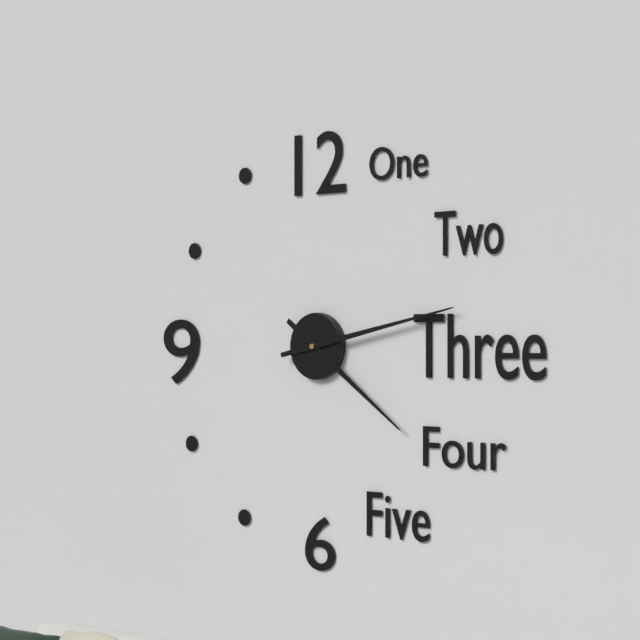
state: 4:13
